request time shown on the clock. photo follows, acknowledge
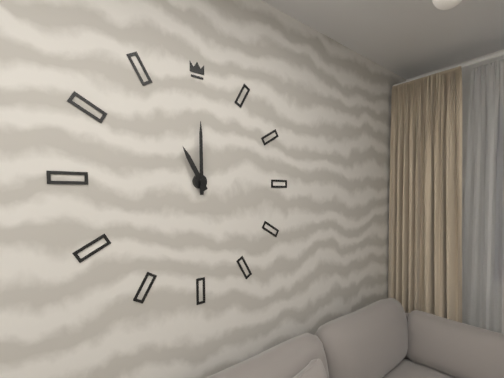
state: 11:00
